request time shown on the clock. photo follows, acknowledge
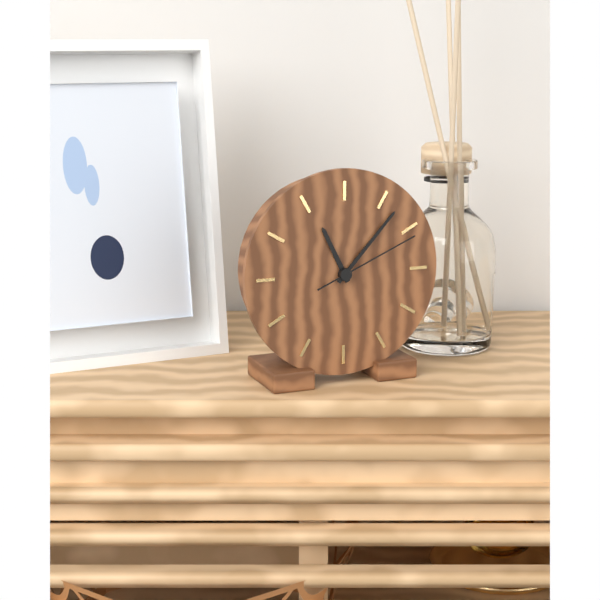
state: 11:07:11
